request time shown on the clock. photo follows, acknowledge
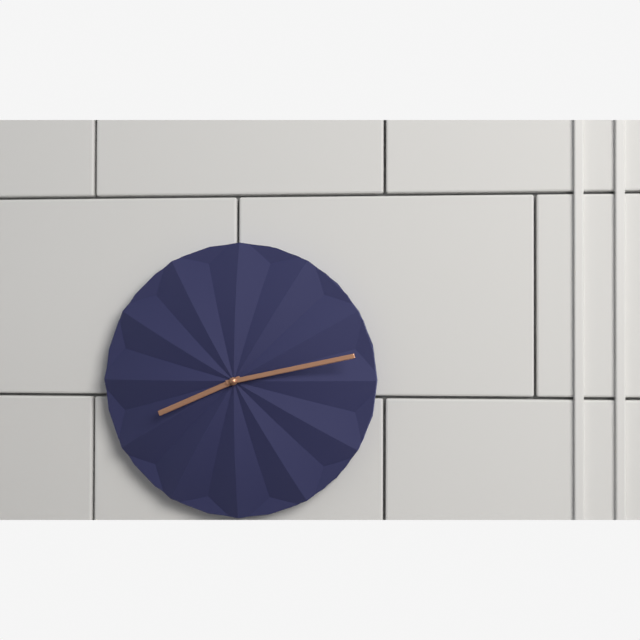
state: 8:13
